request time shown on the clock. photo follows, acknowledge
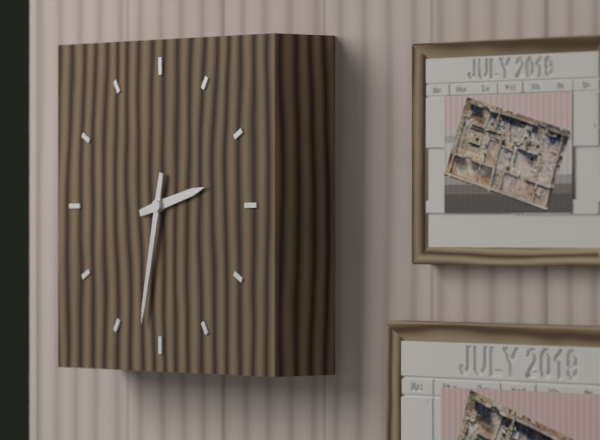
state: 2:32
